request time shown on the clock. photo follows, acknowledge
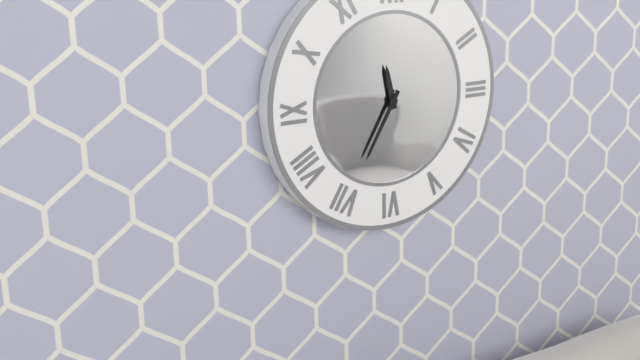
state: 11:35
